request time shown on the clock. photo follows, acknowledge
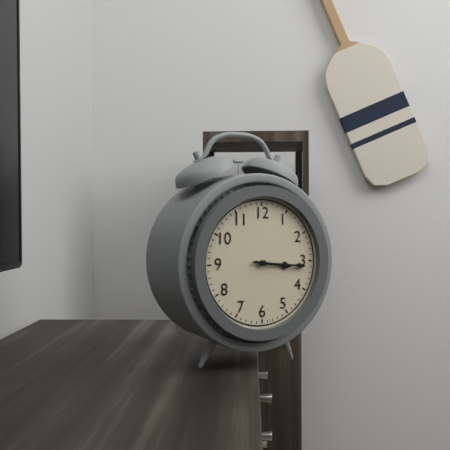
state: 3:16
